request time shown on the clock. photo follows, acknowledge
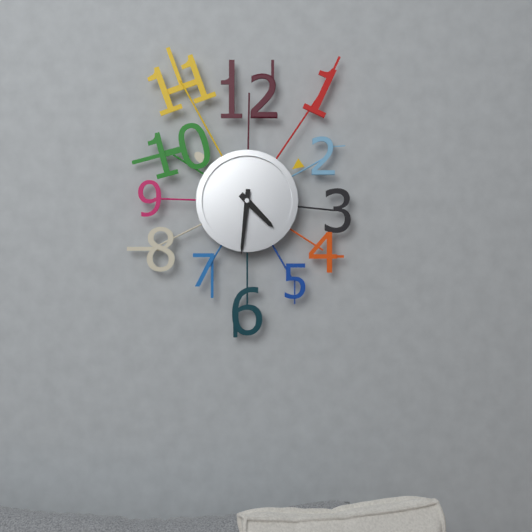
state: 4:31
